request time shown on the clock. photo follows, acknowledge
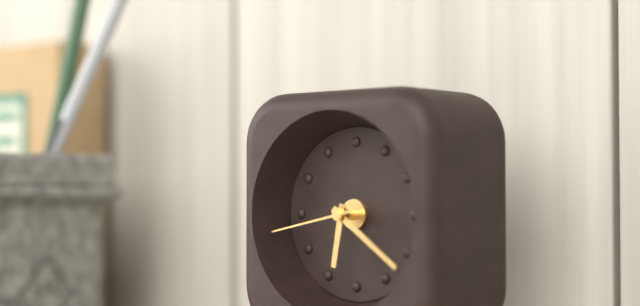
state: 6:21:43
